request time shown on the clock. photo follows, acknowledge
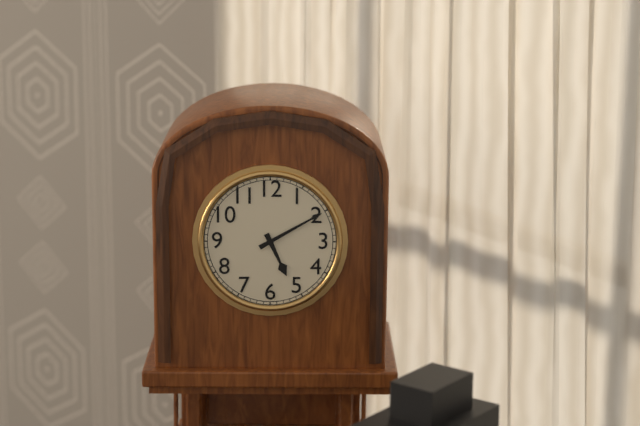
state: 5:10
